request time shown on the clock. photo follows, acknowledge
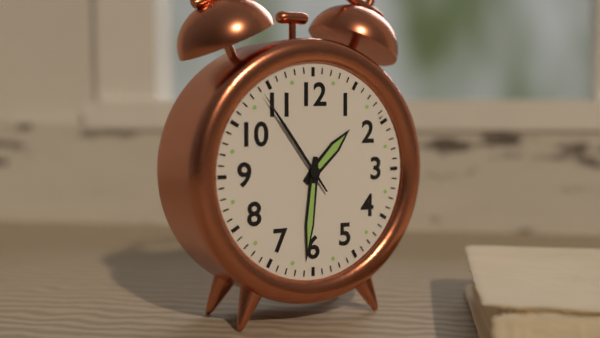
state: 1:31:54
